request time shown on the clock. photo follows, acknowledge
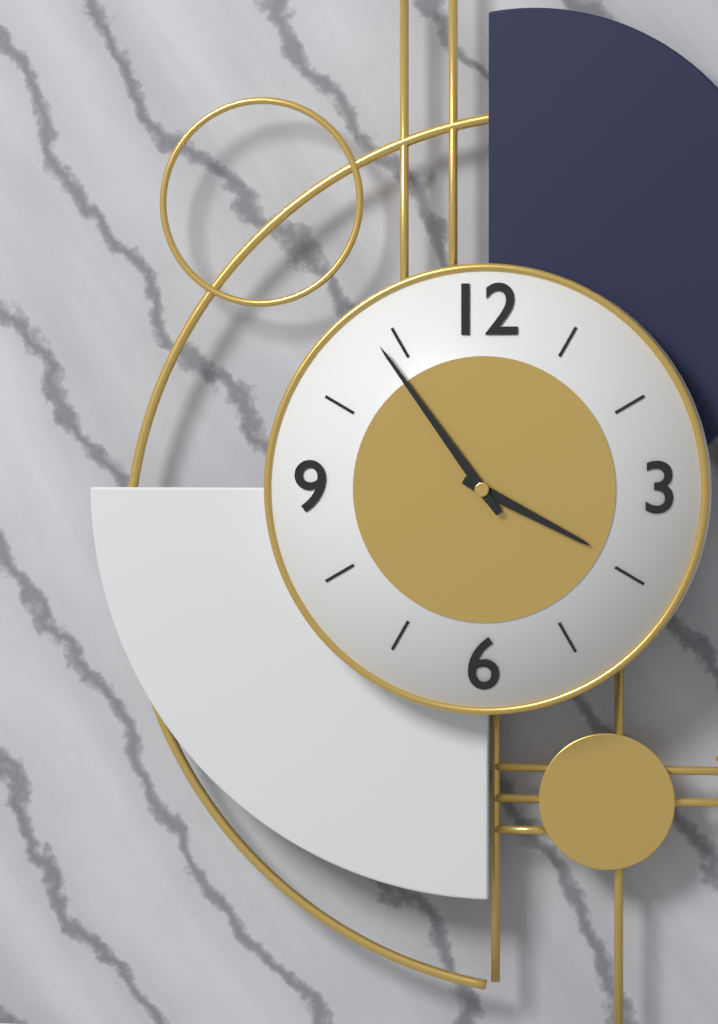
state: 3:54
